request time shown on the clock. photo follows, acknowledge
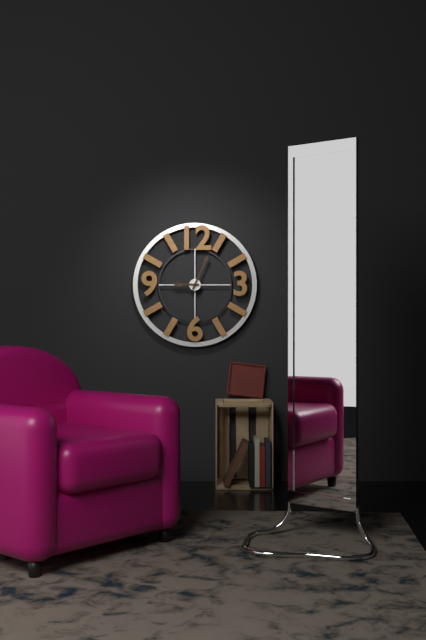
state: 9:04
